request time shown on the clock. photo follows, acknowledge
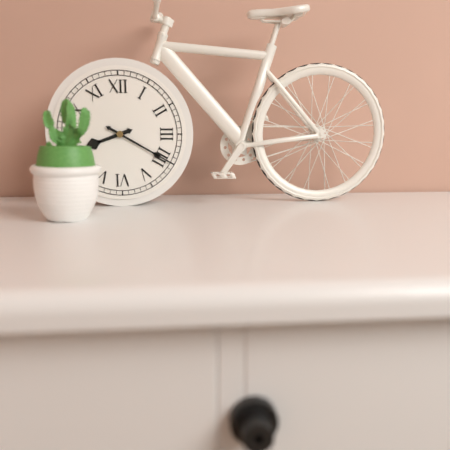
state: 8:20
